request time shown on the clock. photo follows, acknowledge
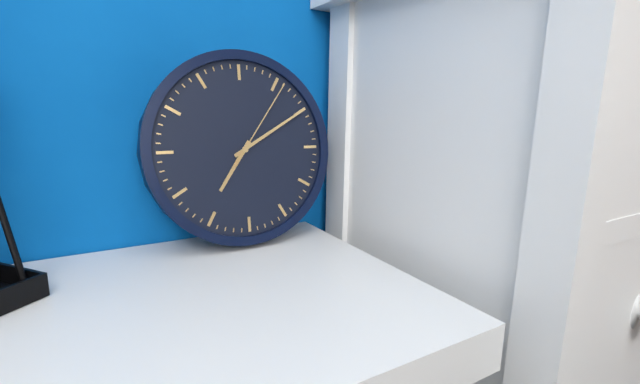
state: 7:10:06
